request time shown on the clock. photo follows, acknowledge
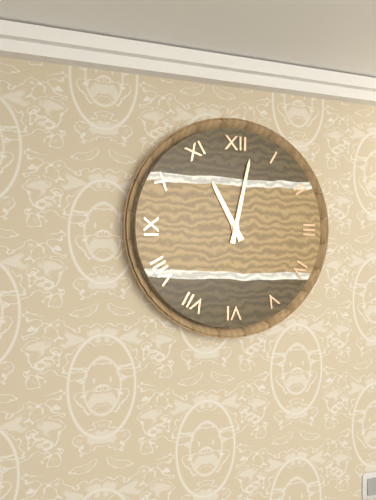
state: 11:02
